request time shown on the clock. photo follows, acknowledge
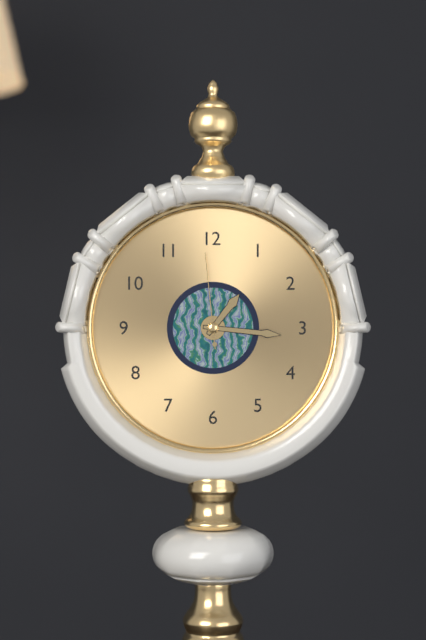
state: 1:16:59
